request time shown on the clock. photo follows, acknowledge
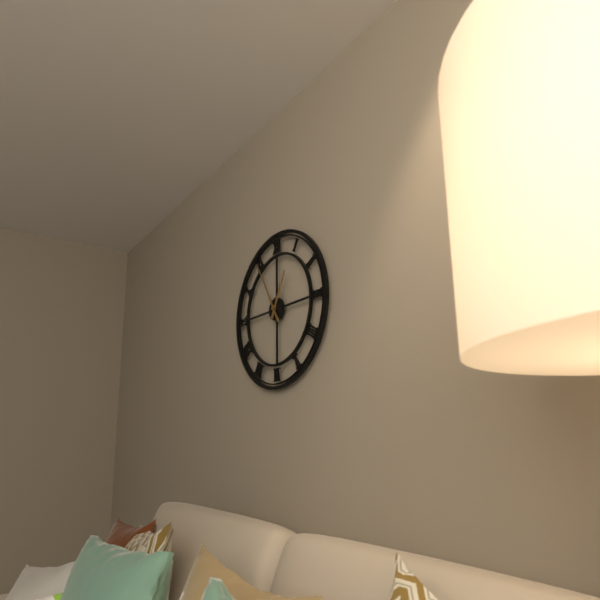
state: 12:55
